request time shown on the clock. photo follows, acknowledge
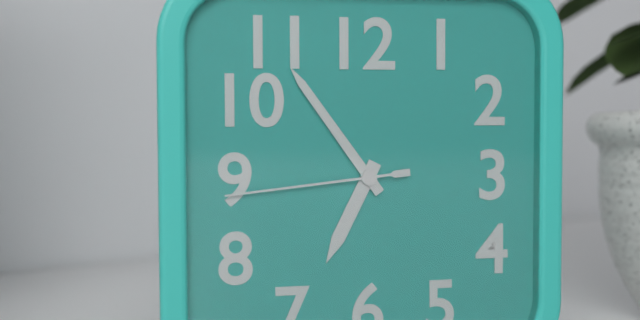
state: 6:54:44
